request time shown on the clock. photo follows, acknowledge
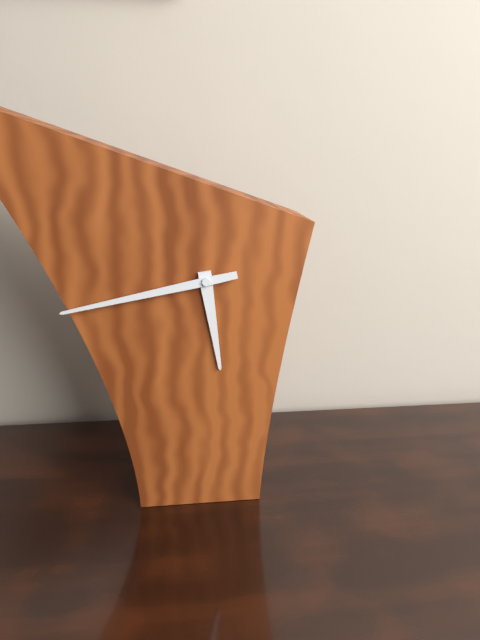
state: 5:43
